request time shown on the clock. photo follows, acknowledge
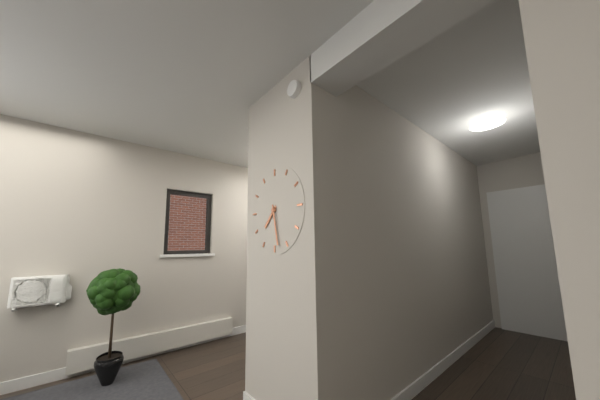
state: 7:28
